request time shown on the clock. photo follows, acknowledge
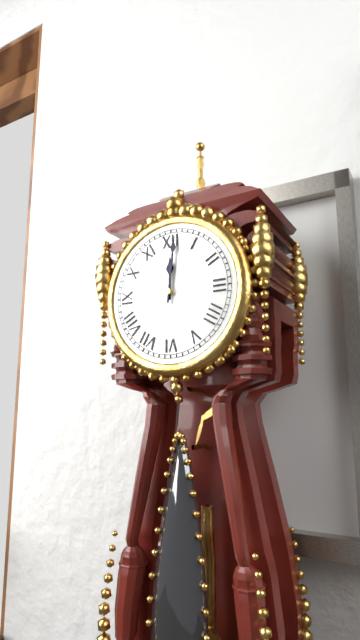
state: 12:01
